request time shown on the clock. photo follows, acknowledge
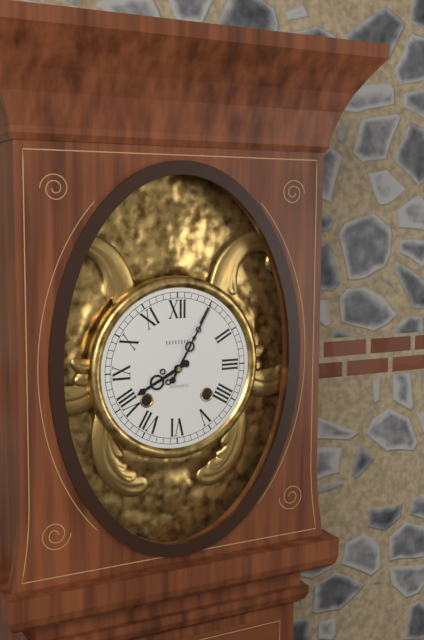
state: 8:05
